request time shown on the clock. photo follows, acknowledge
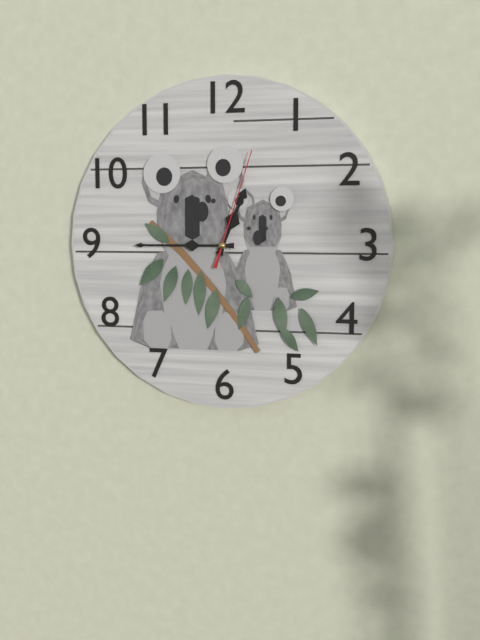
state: 12:45:03
